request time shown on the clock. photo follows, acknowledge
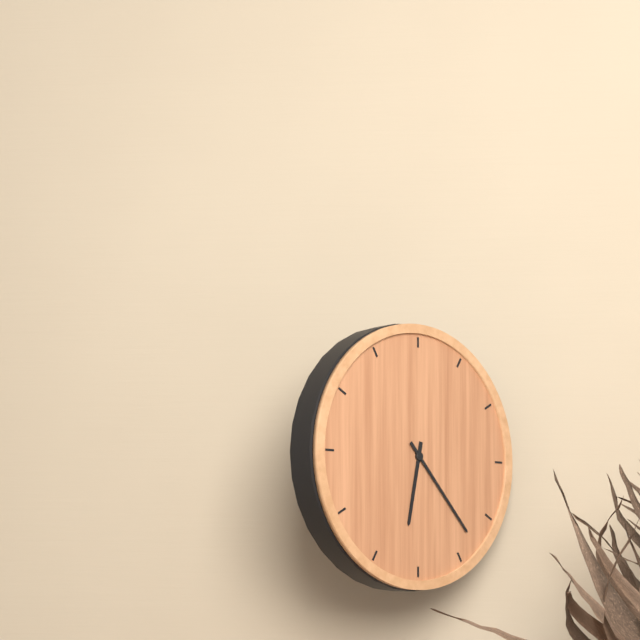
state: 6:23
